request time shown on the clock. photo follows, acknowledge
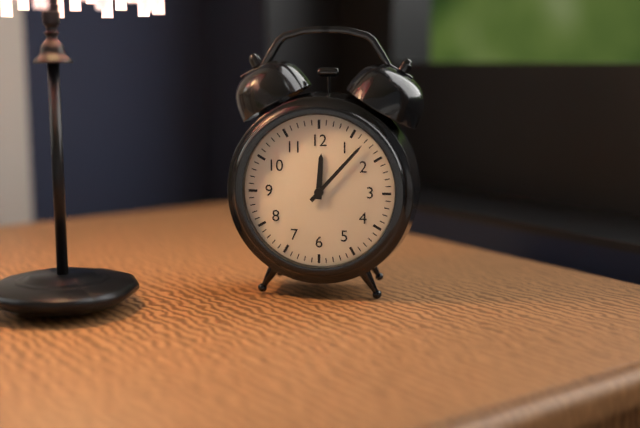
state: 12:07
